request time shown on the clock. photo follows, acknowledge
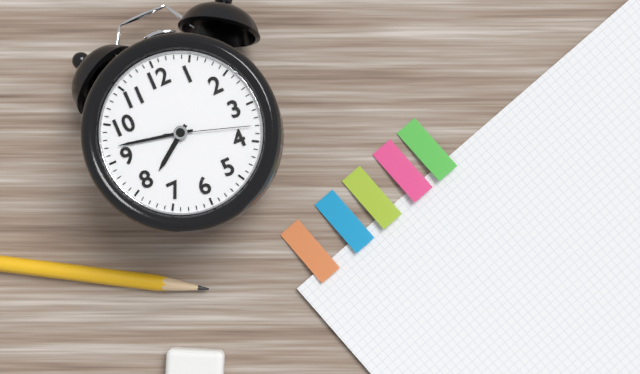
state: 7:47:18
